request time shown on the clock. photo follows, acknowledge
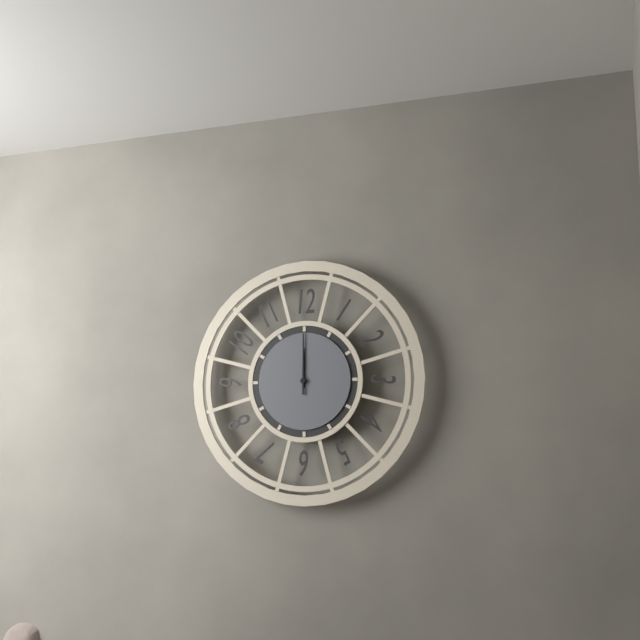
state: 12:00
